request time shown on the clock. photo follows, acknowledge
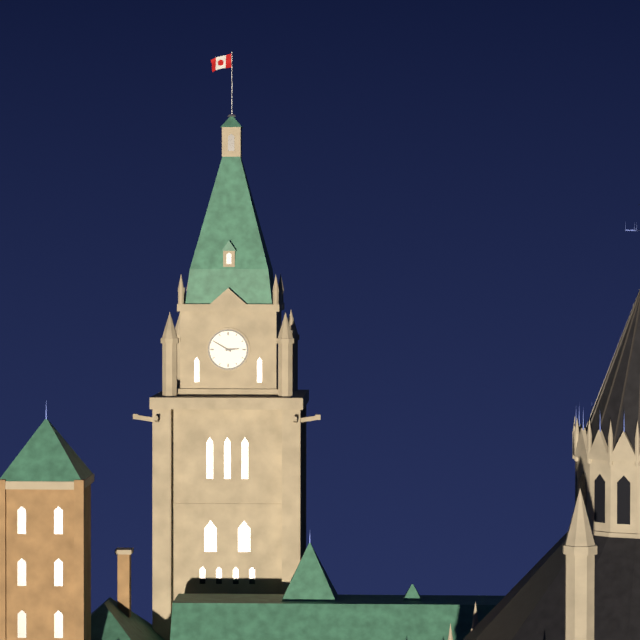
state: 2:50
